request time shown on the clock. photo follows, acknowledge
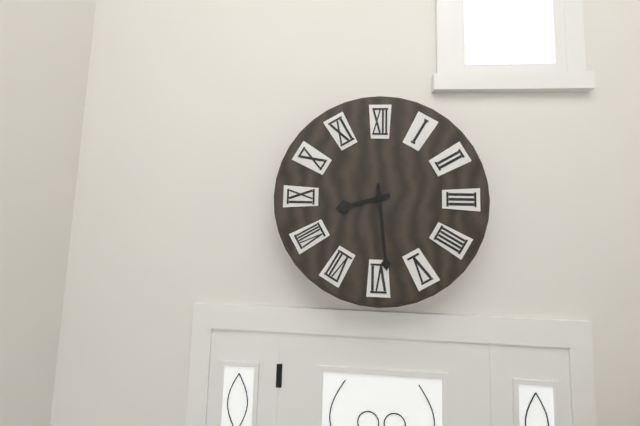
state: 8:29
